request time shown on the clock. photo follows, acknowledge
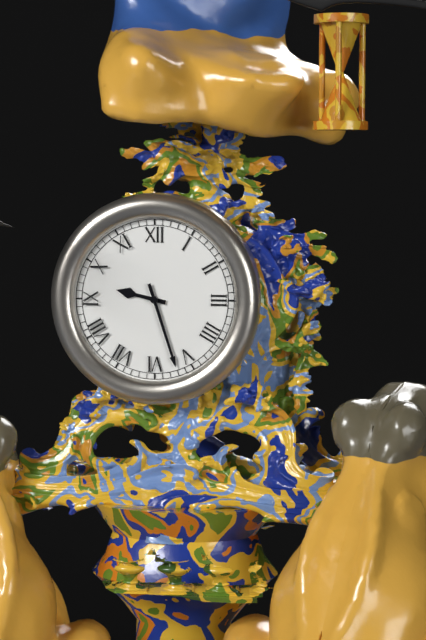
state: 9:27
